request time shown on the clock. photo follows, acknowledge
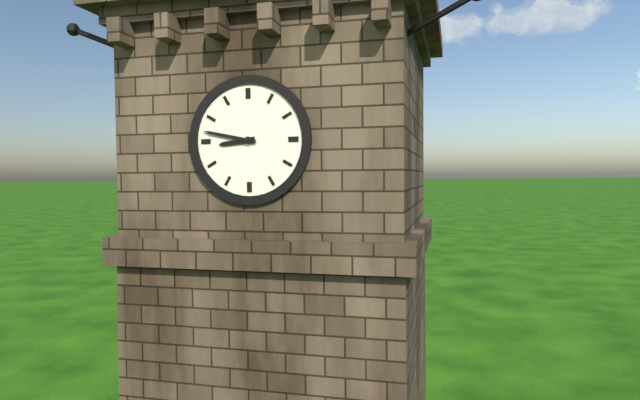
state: 8:47
